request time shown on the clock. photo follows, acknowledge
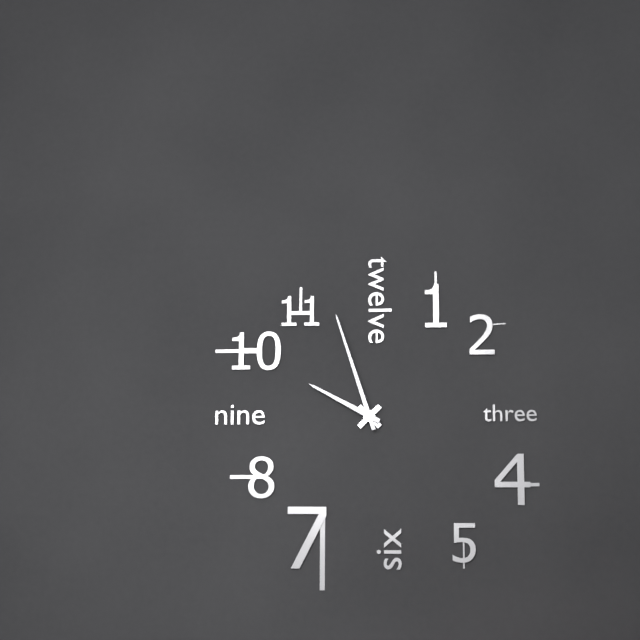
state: 9:57
